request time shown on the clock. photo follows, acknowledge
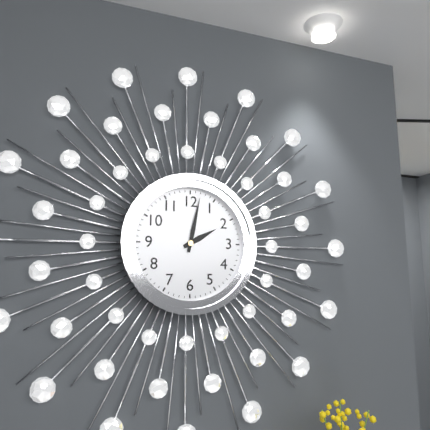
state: 2:02
